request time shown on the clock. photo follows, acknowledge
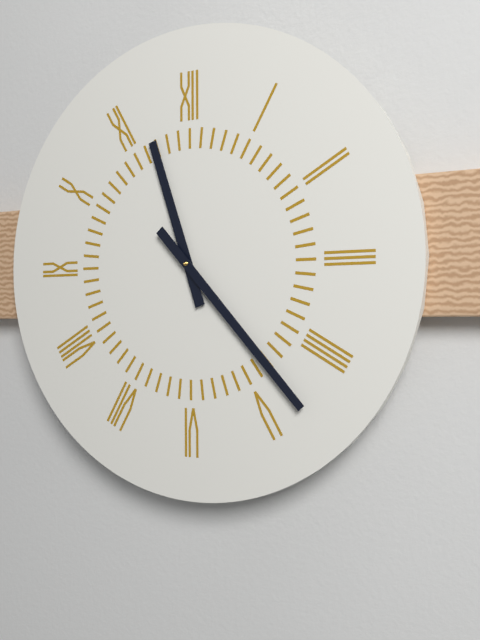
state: 11:23
